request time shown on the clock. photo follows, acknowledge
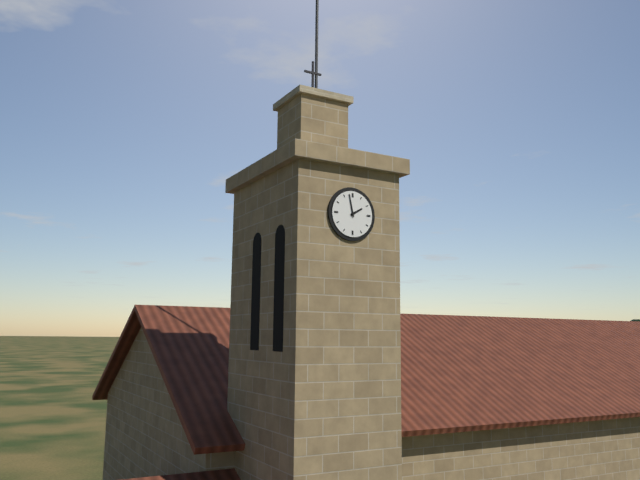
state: 1:58
